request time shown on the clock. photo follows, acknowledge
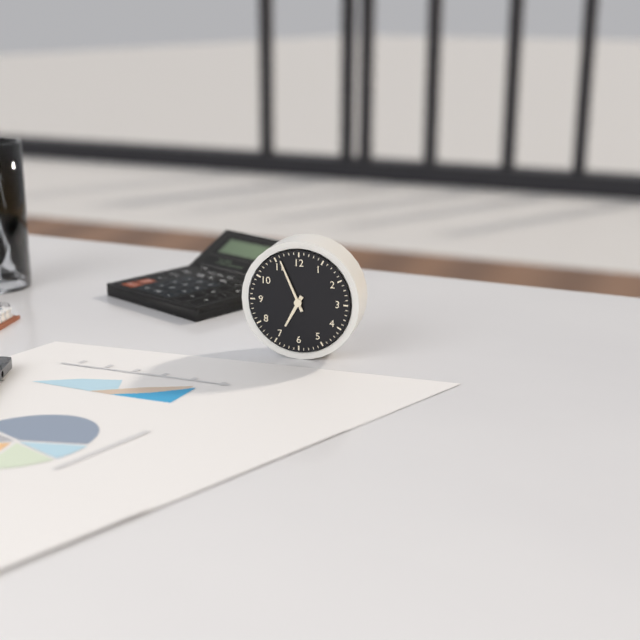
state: 6:56
